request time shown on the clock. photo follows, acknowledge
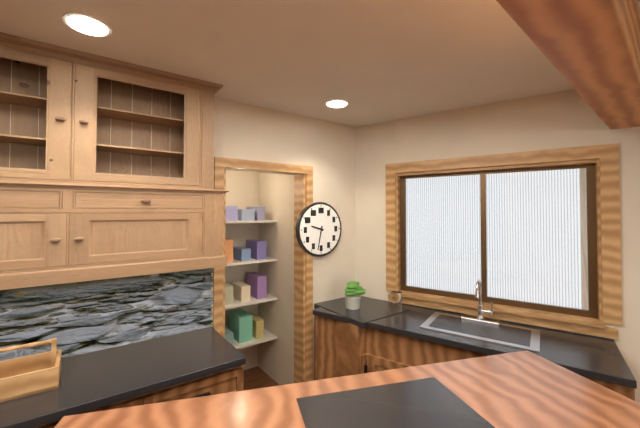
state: 9:32
